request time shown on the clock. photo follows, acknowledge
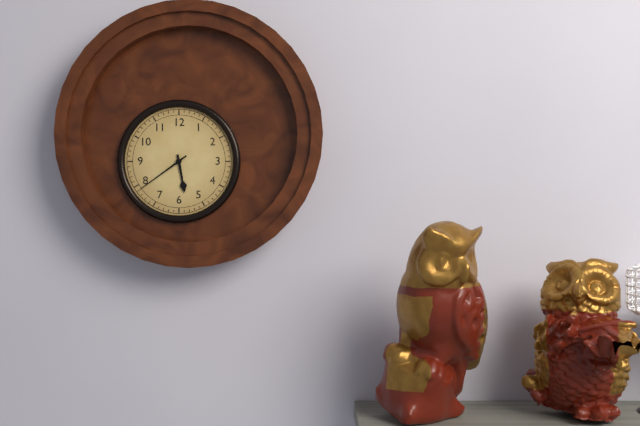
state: 5:39
